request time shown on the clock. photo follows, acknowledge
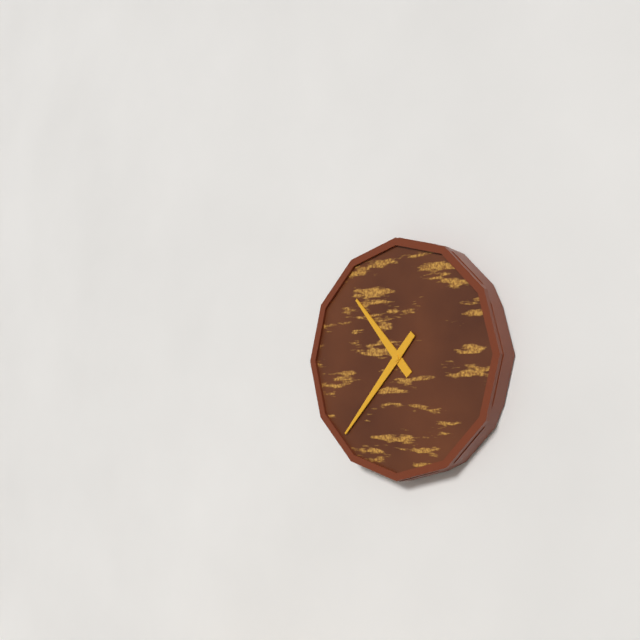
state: 10:37
